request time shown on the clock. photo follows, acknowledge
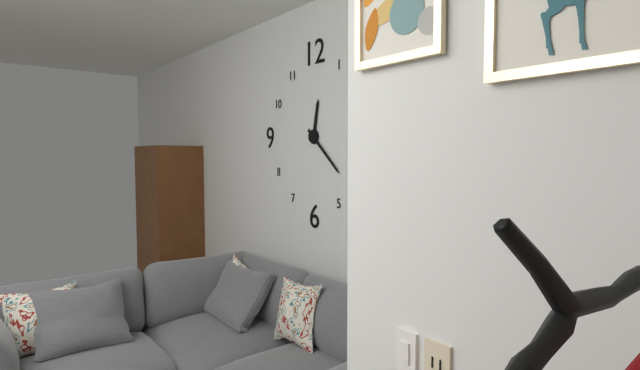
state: 12:22
